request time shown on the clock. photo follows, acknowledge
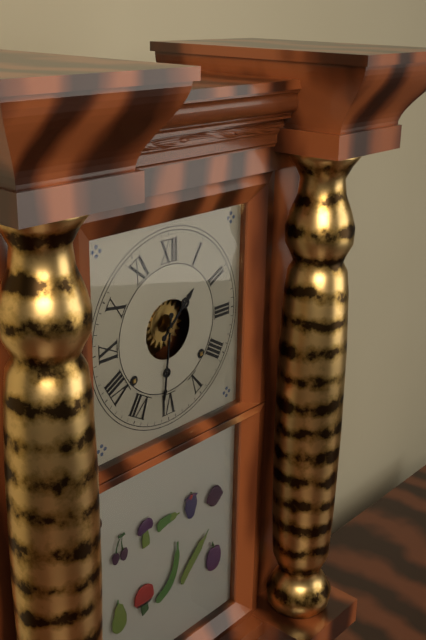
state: 1:31
